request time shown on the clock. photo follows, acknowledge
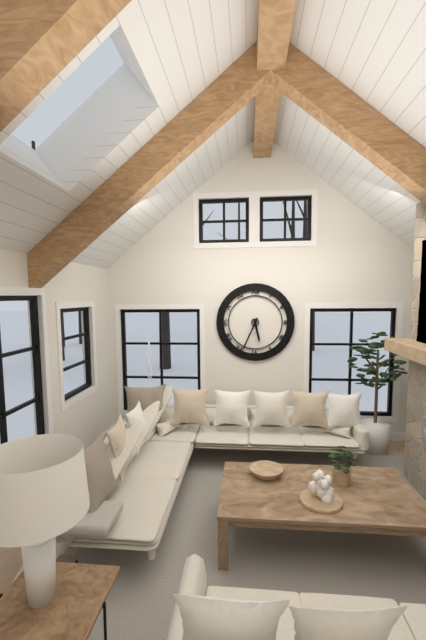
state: 5:34
